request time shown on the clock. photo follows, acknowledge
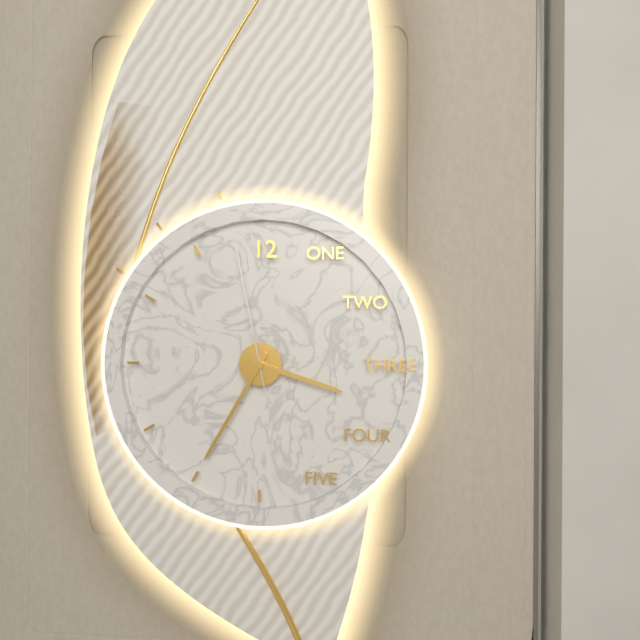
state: 3:35:58
